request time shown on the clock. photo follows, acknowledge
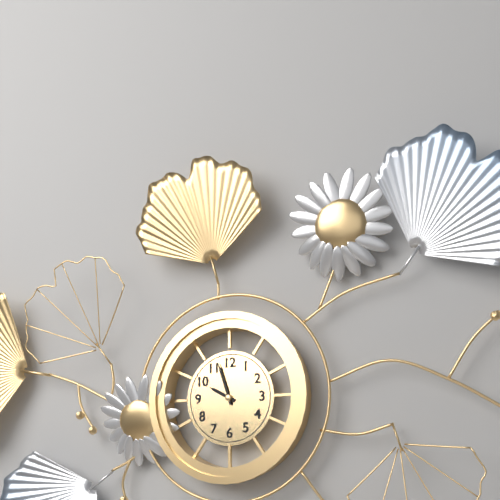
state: 9:57
